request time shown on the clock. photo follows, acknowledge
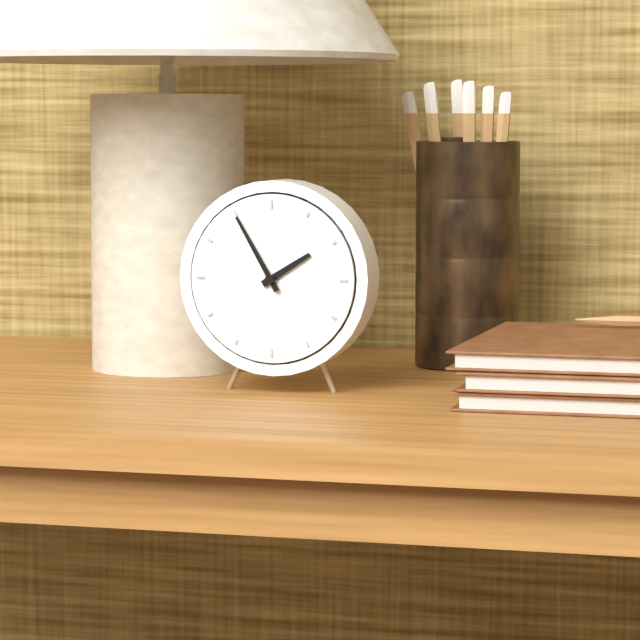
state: 1:55
